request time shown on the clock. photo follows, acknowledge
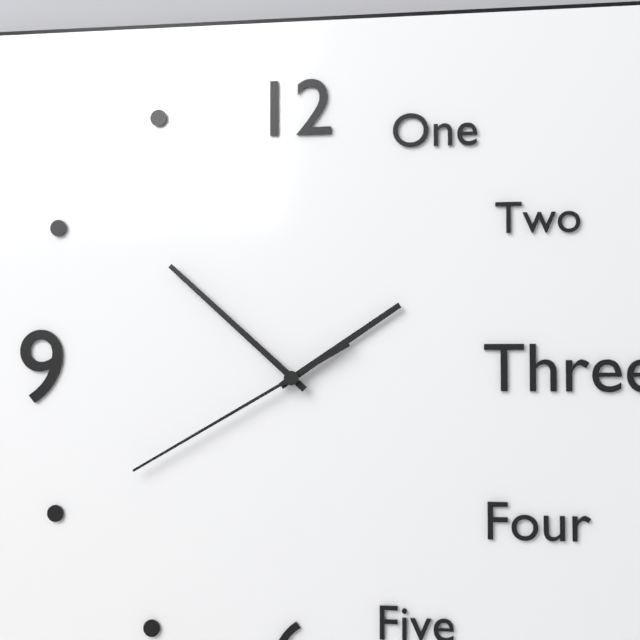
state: 1:52:40
